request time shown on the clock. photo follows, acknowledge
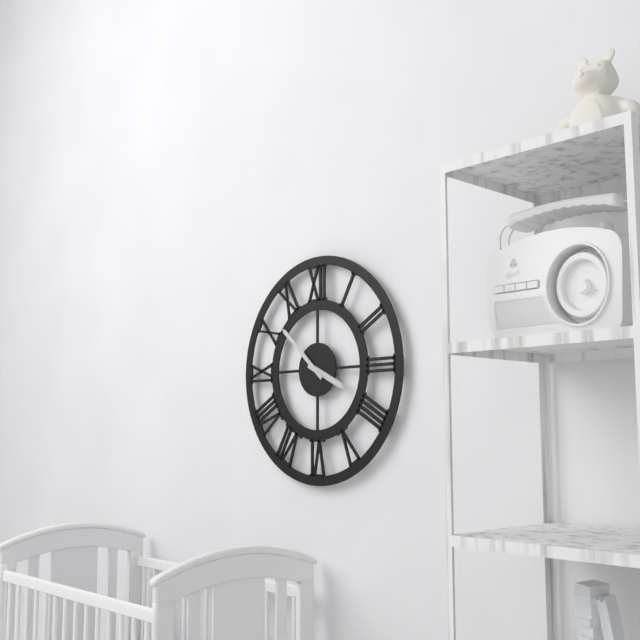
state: 3:52
